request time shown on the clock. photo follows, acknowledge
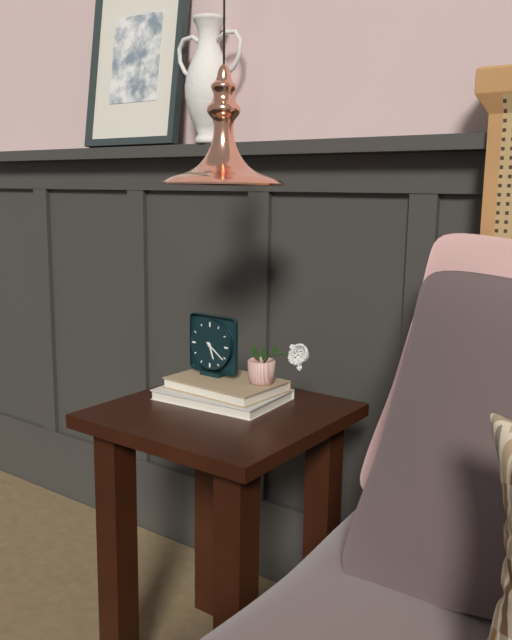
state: 5:21
